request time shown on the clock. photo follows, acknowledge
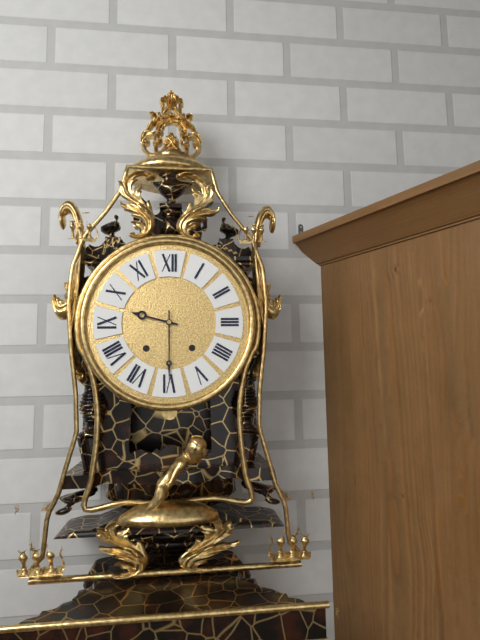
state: 9:30
